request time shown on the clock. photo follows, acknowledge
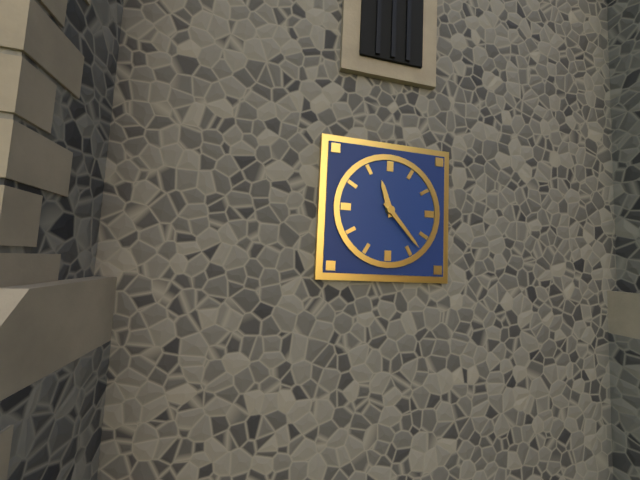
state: 11:23
